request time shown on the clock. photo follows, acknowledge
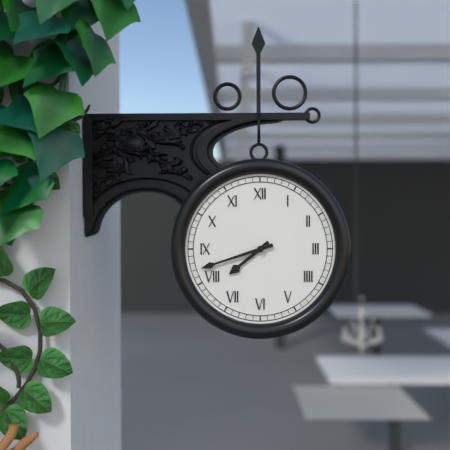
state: 7:42
